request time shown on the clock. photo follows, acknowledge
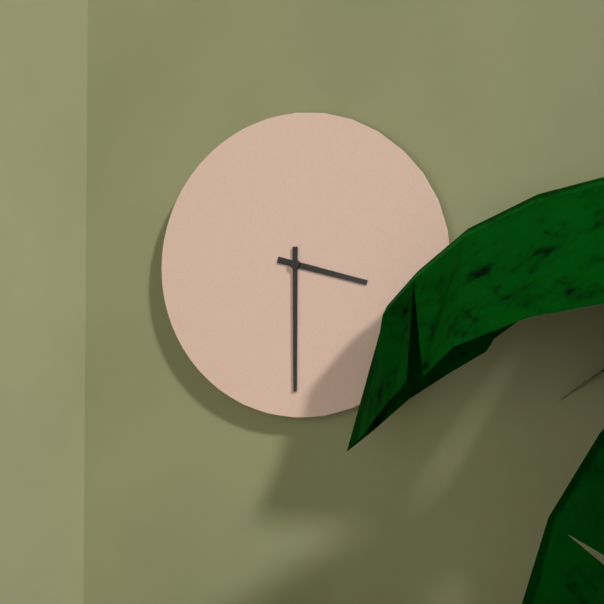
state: 3:30
